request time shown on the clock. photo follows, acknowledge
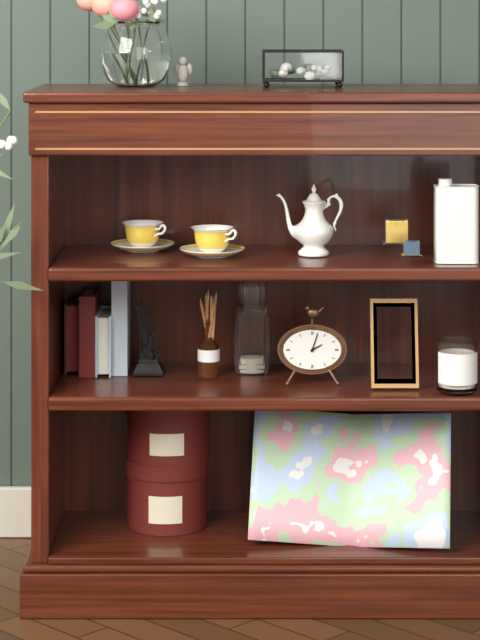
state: 2:03
